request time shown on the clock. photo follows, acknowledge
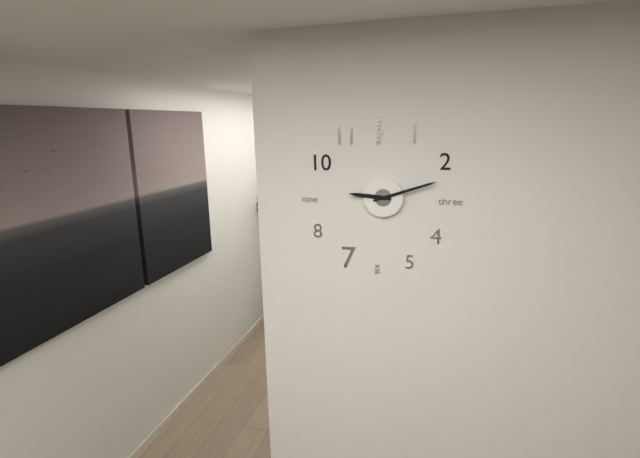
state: 9:12
